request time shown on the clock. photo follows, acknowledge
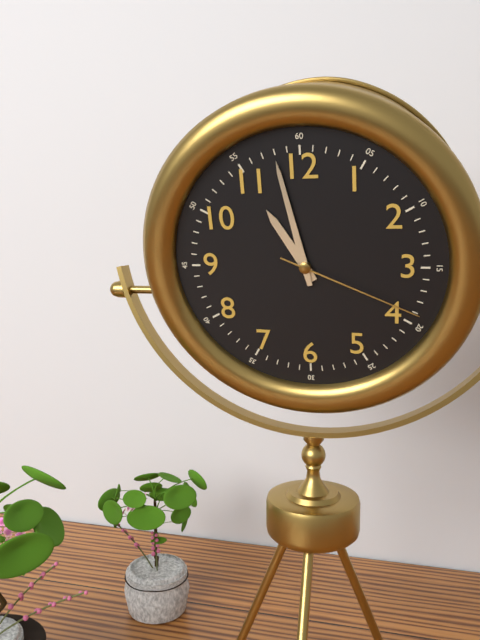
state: 10:58:19
